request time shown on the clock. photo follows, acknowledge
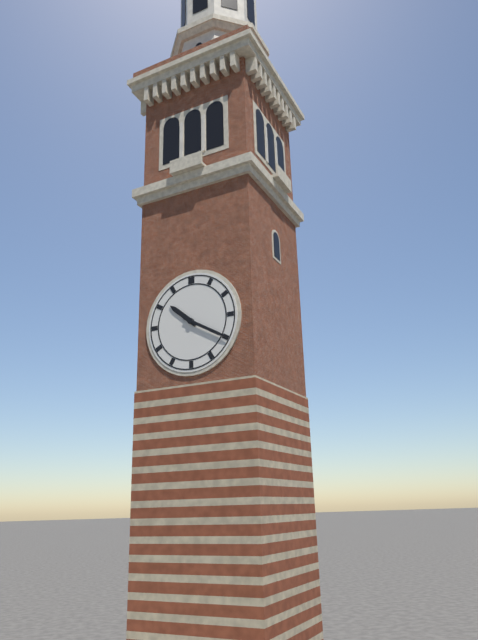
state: 10:20
